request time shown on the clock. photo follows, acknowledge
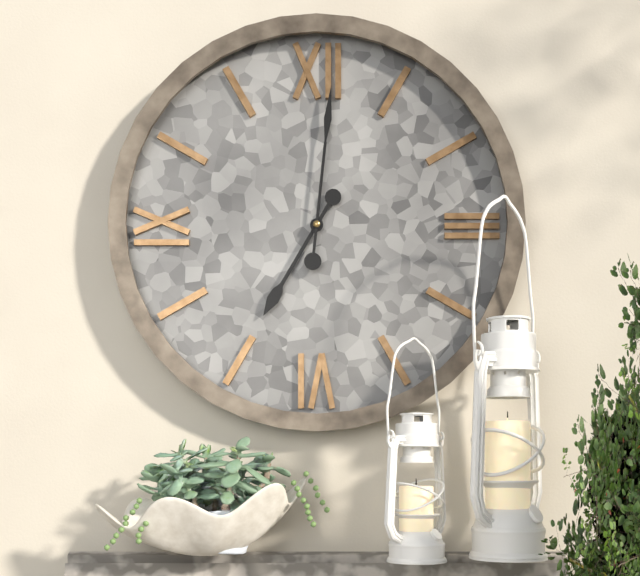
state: 7:01
